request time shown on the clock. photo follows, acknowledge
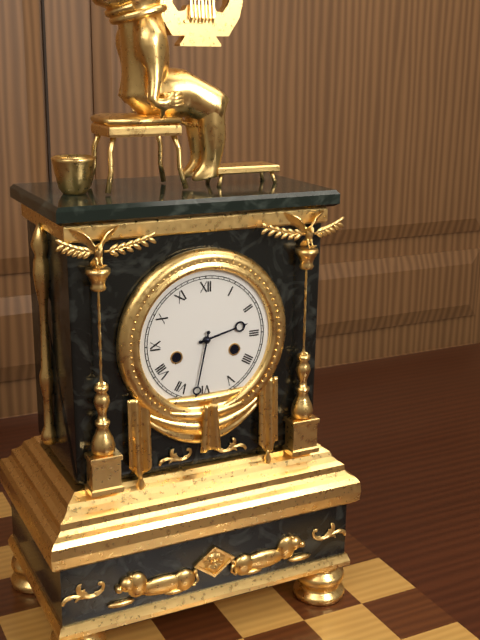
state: 2:32
